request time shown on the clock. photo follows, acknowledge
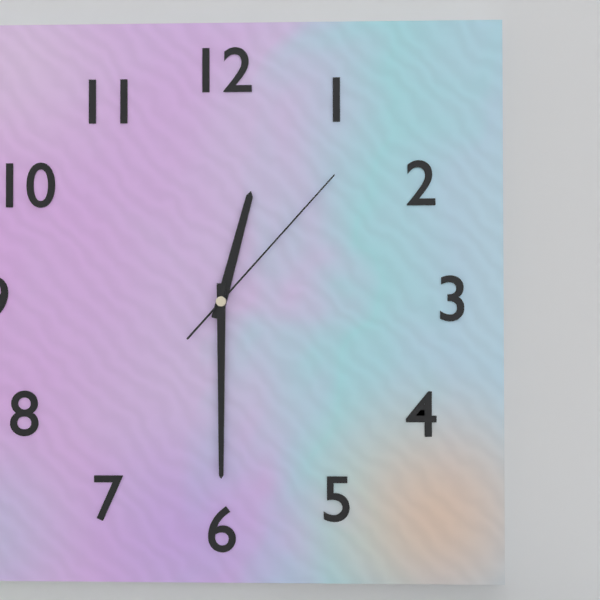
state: 12:30:07
